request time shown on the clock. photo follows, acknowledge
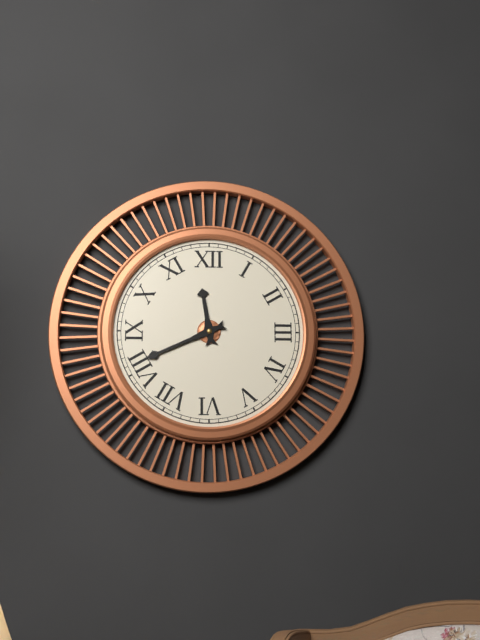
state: 11:41
